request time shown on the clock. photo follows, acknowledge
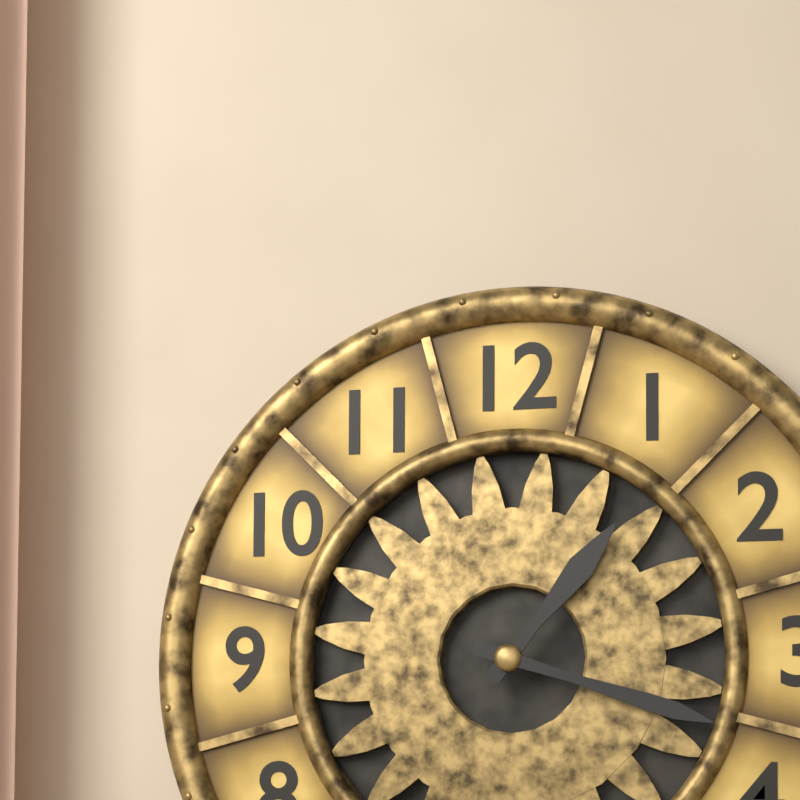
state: 1:18
